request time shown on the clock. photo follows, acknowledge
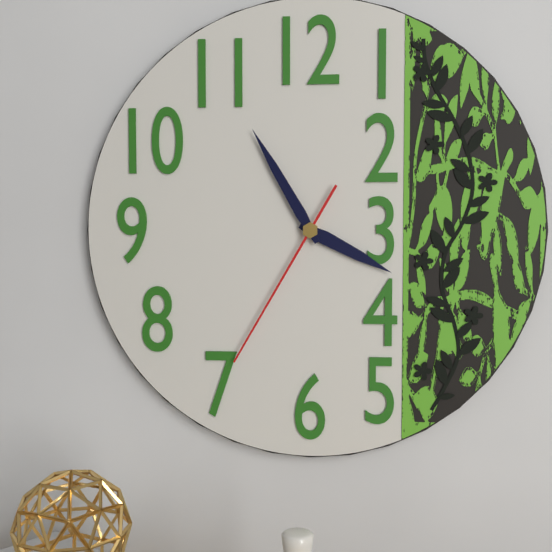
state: 3:55:35
